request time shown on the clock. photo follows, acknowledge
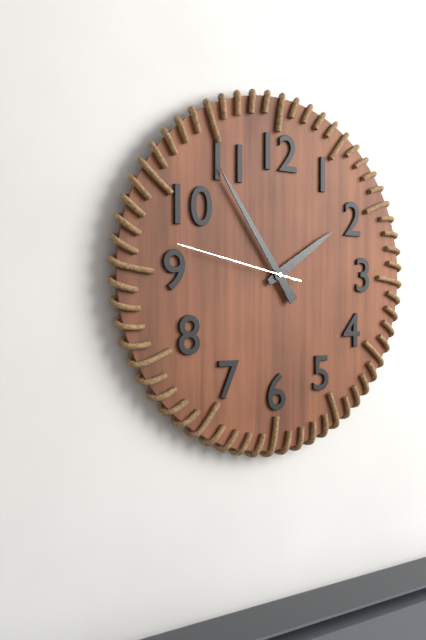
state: 1:54:47
